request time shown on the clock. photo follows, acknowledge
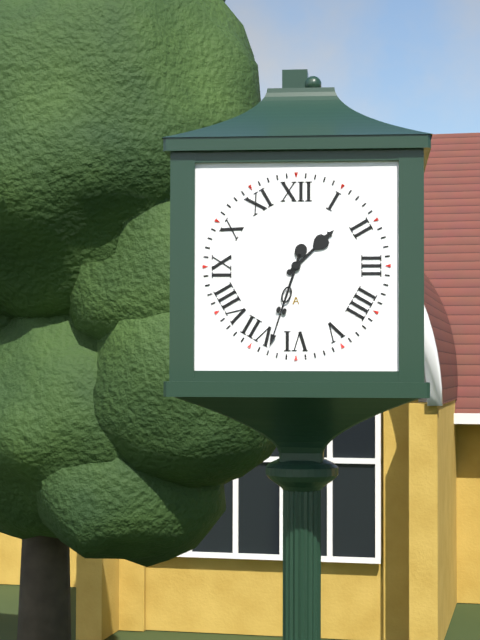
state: 1:33
